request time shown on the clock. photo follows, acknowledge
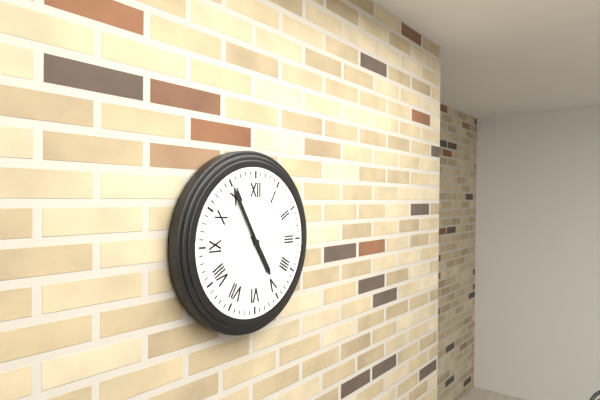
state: 4:55
